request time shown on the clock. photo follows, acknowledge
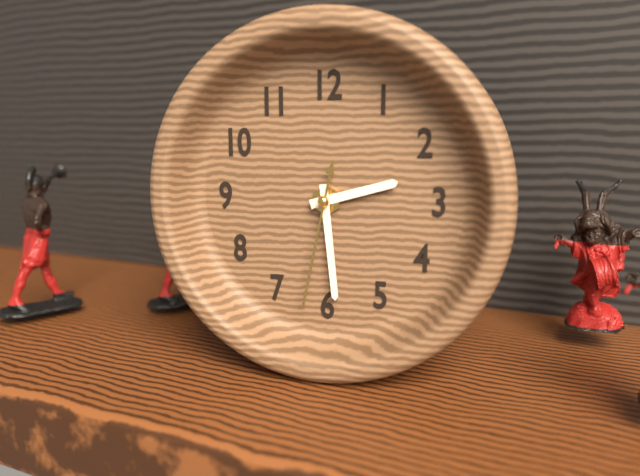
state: 2:29:32
